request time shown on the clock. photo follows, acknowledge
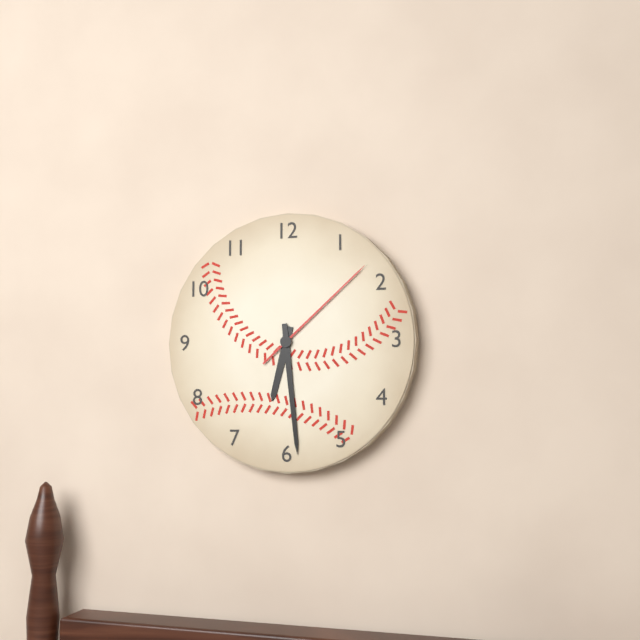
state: 6:29:08
